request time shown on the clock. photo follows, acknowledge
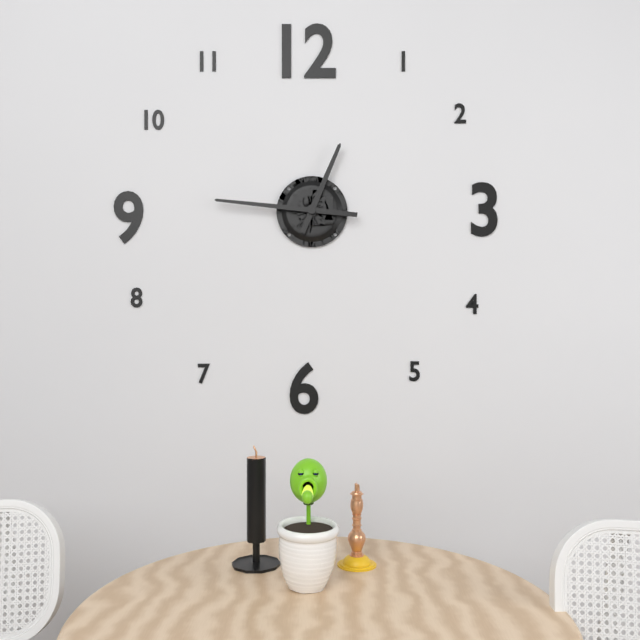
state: 12:46
